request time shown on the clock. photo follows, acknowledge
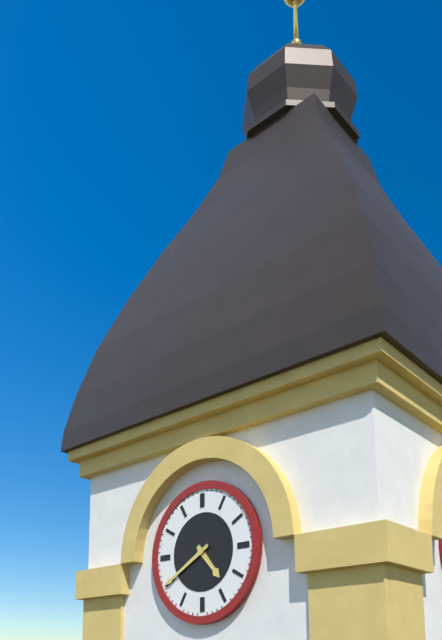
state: 4:40
